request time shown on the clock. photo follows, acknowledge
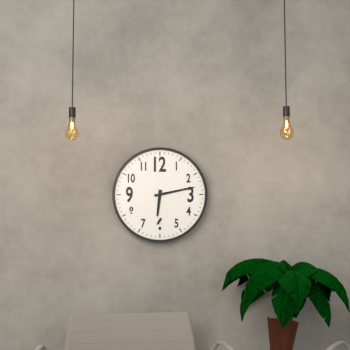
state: 6:13
